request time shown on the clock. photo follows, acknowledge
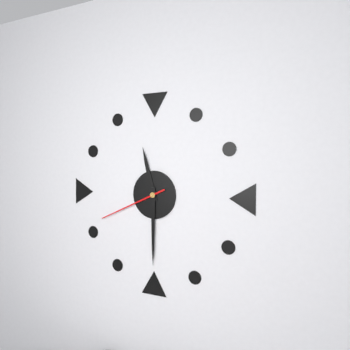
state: 11:30:41
